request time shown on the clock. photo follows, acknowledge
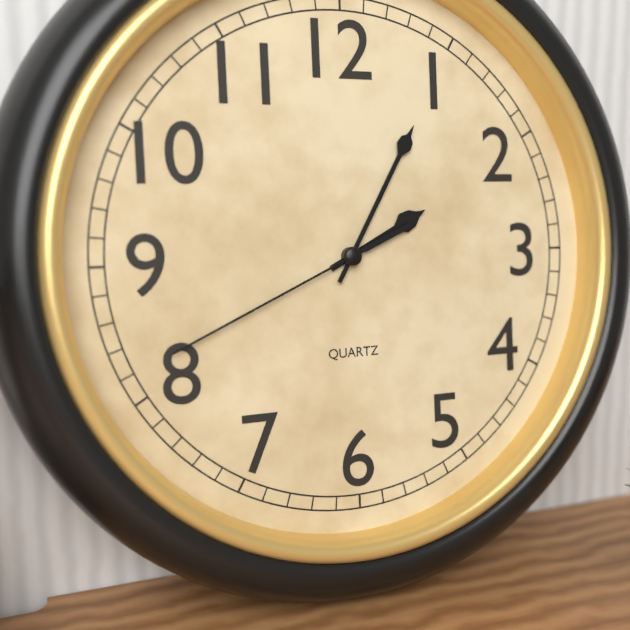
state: 2:05:41
